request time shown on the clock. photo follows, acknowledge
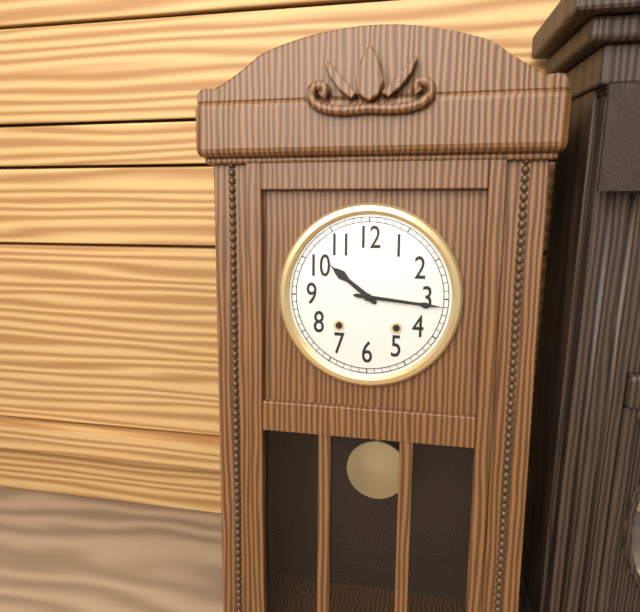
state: 10:16
